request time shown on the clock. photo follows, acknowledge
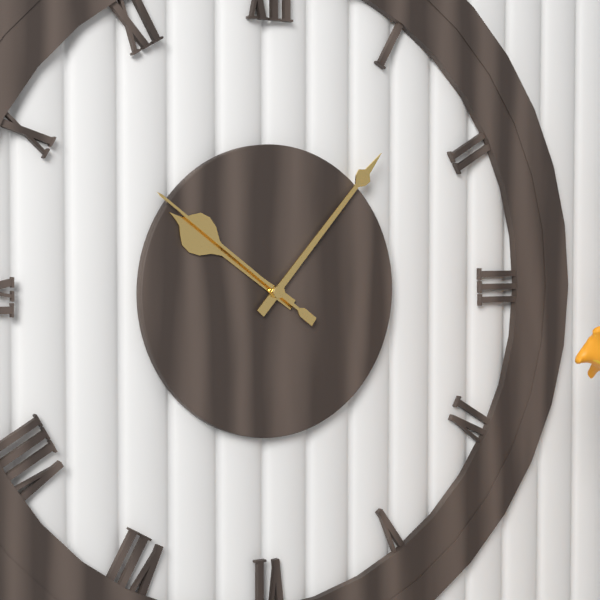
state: 10:07:51
